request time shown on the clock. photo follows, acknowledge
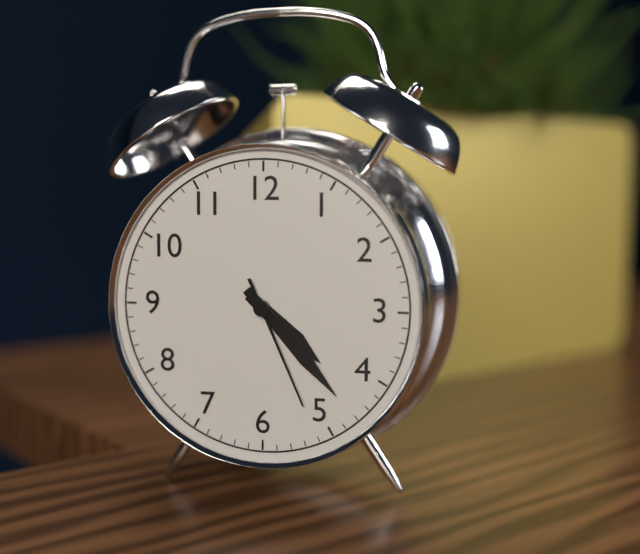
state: 4:23:26
